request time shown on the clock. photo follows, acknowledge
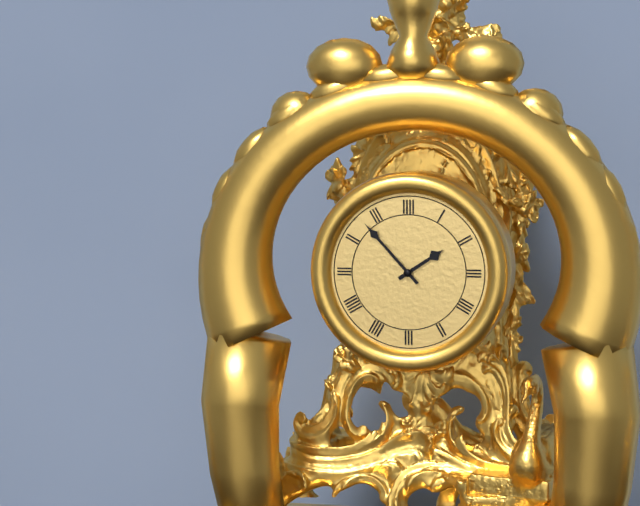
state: 1:53
